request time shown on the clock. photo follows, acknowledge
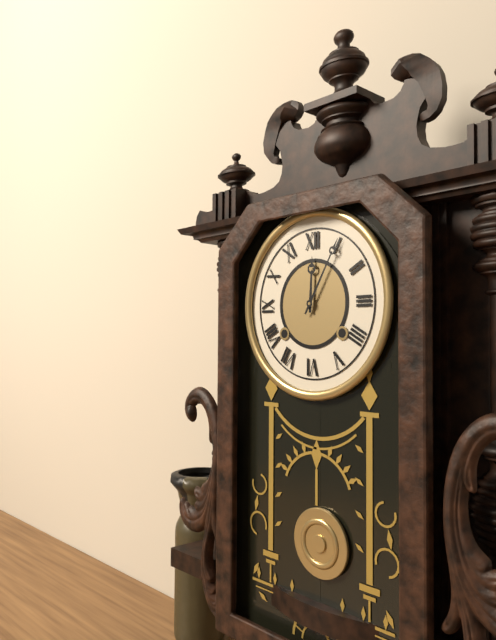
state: 12:05
